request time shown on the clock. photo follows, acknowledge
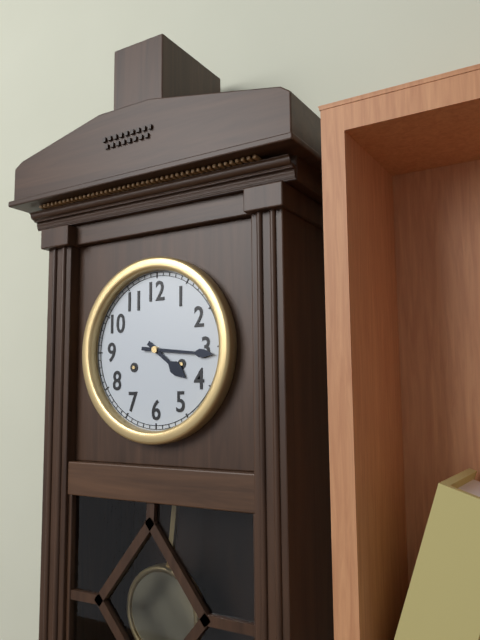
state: 4:16
